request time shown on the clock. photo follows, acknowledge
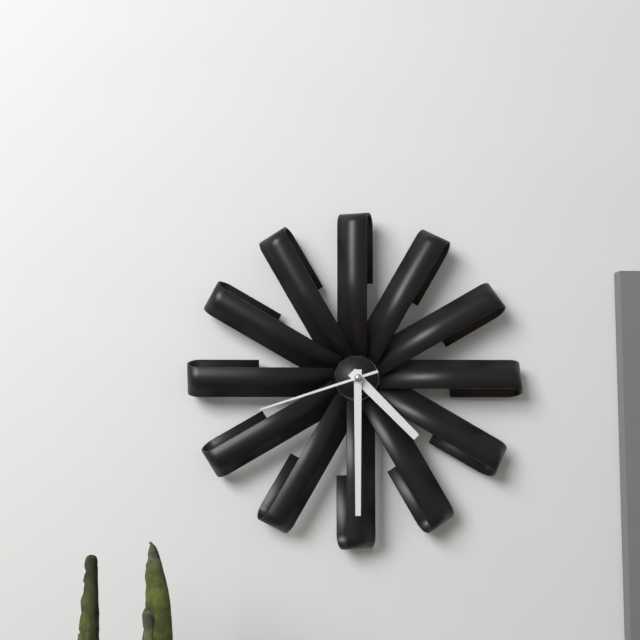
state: 4:30:42
